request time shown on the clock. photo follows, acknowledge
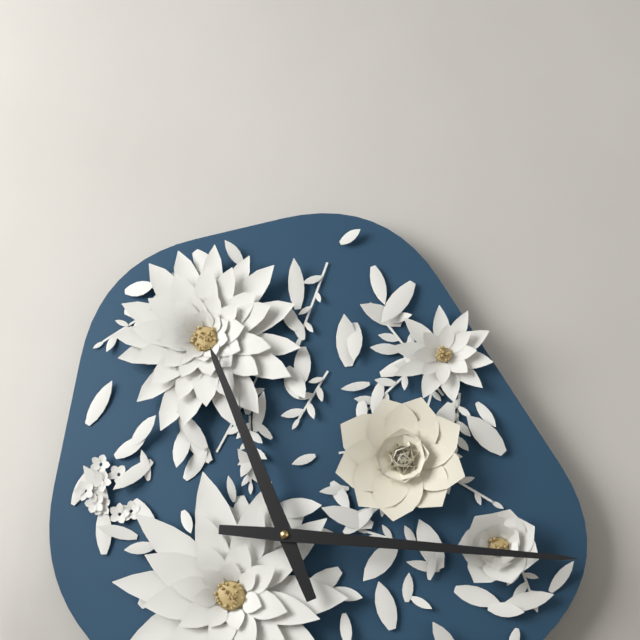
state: 11:16
